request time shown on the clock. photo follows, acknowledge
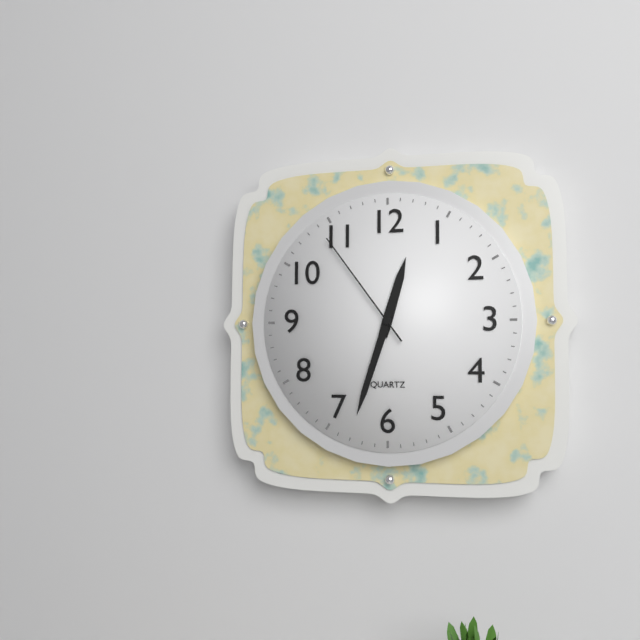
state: 12:33:54
